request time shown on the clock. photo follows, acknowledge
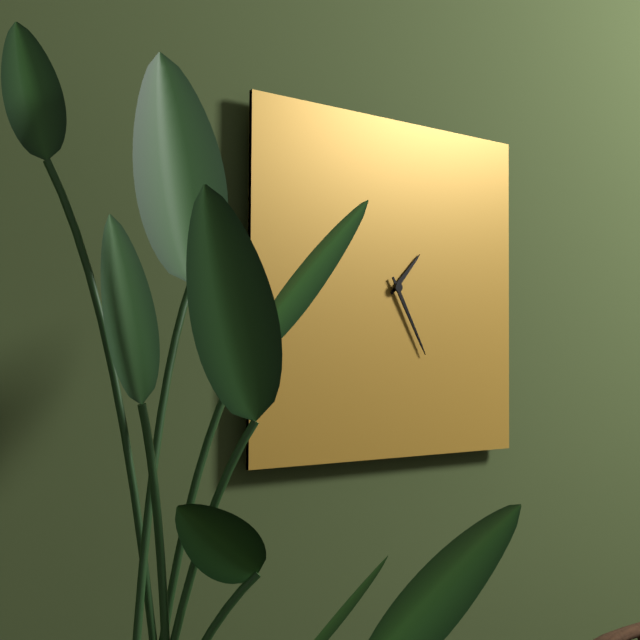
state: 1:25
